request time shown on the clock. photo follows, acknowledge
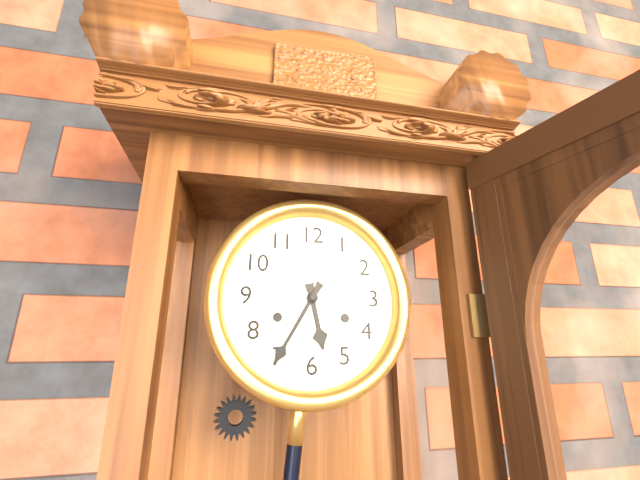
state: 5:35
